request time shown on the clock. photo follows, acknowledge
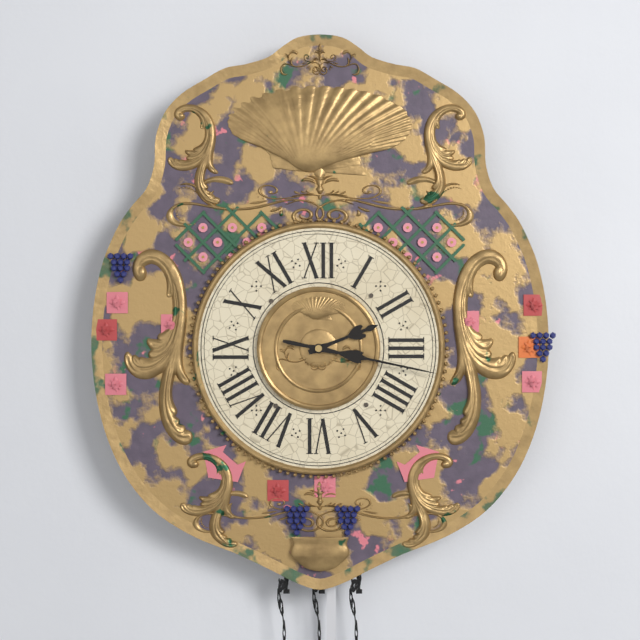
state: 2:17
